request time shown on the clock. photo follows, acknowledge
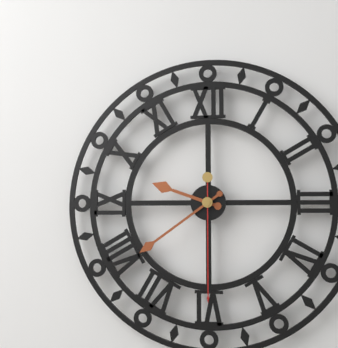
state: 9:39:30
